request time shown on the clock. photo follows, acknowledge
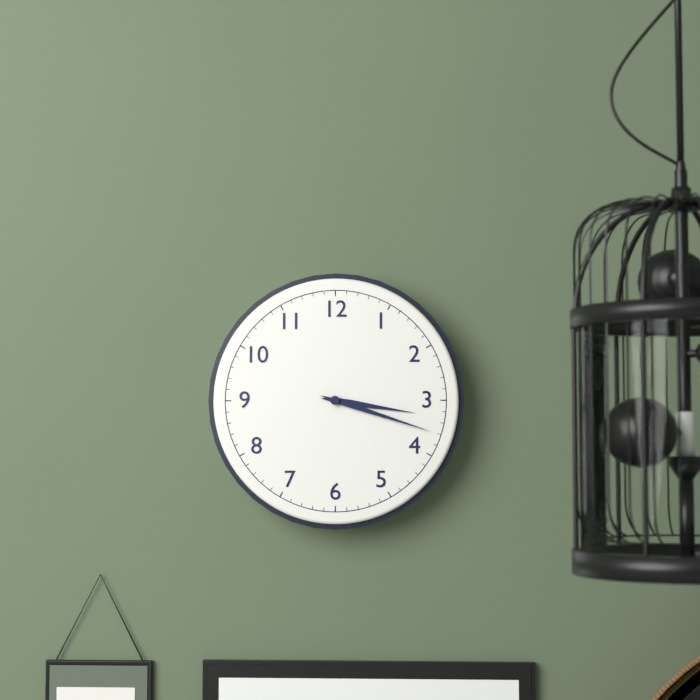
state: 3:18
